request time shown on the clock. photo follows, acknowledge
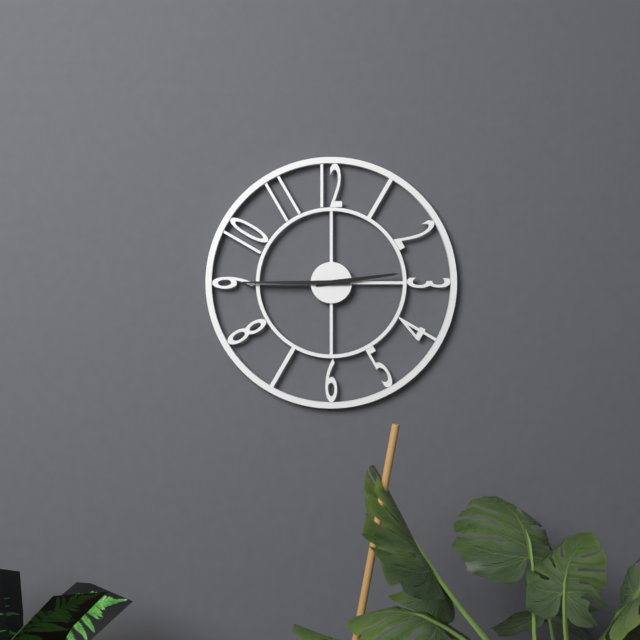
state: 2:45
